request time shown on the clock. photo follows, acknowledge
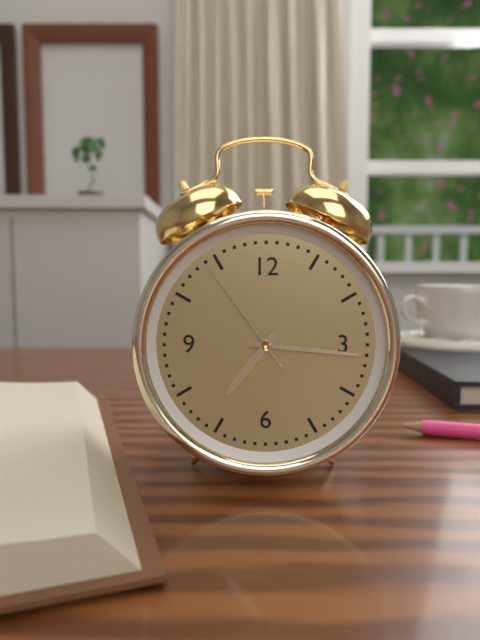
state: 7:16:54
